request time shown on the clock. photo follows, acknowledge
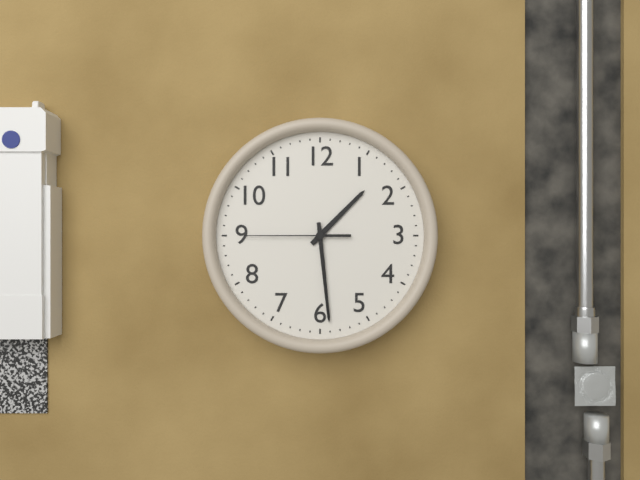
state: 1:29:45
